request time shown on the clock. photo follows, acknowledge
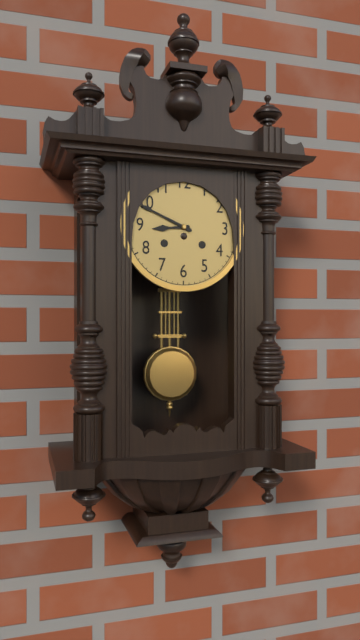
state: 8:49
